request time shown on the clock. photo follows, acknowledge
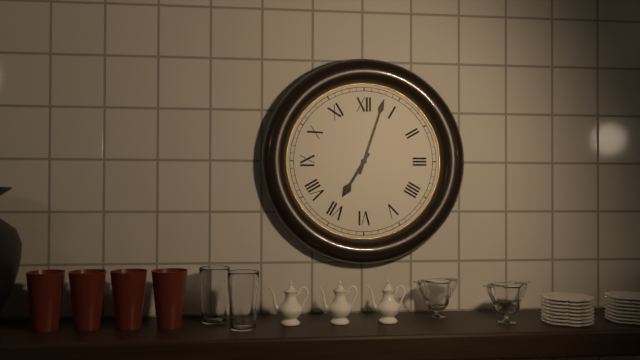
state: 7:03
